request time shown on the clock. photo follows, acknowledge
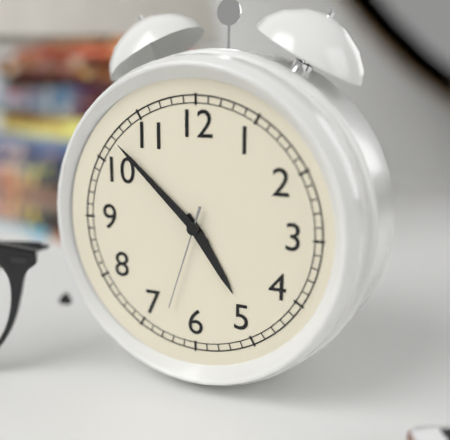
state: 4:52:33
